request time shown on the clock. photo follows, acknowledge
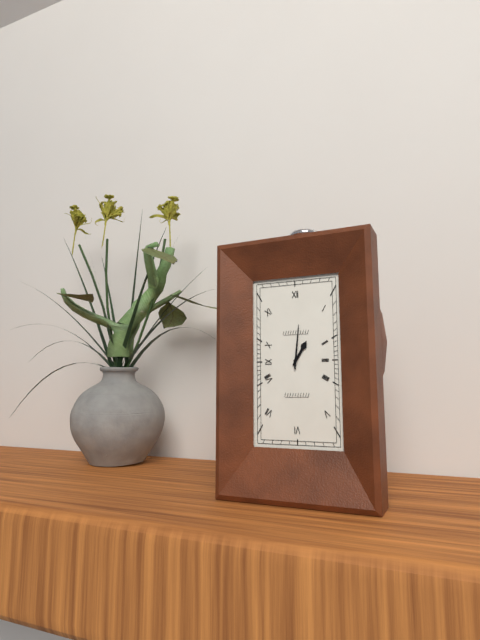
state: 1:01
